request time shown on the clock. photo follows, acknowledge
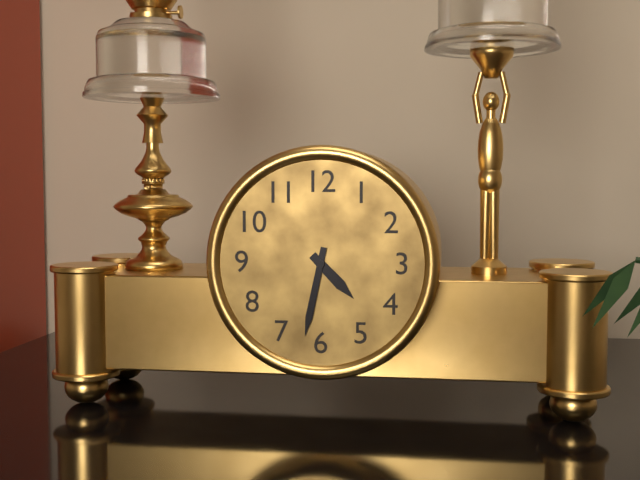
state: 4:32
